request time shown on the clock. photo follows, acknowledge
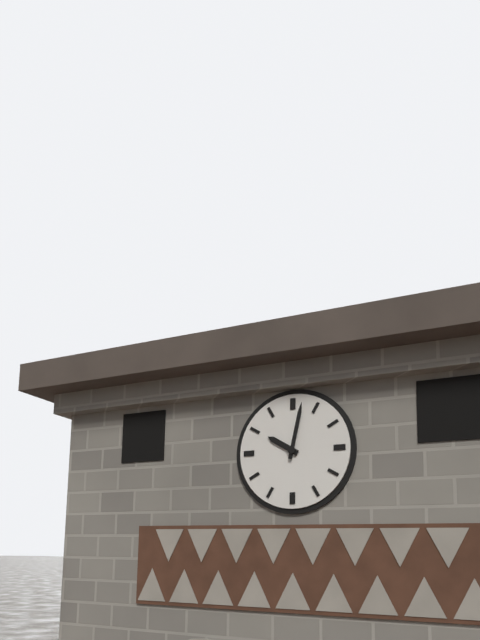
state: 10:02
